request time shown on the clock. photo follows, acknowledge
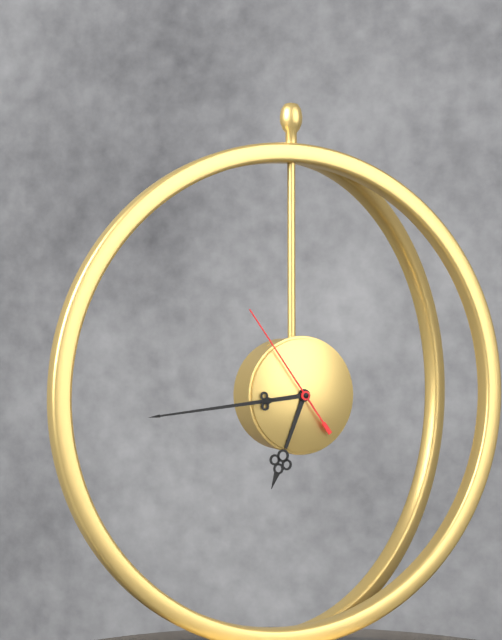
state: 6:44:54
